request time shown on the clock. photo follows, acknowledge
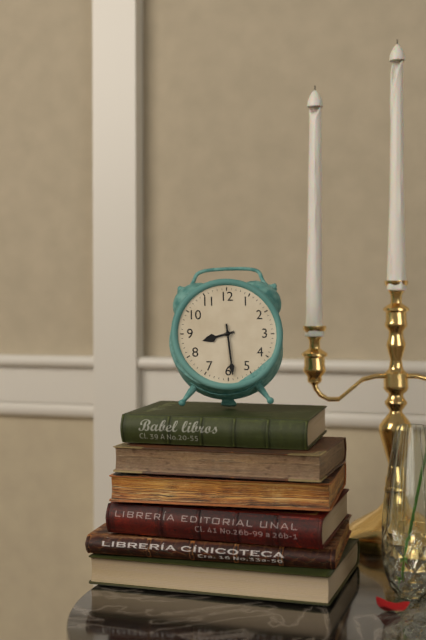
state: 8:29
